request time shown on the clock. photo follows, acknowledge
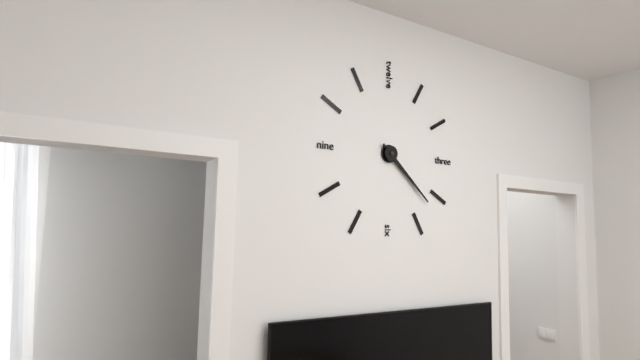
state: 4:22
